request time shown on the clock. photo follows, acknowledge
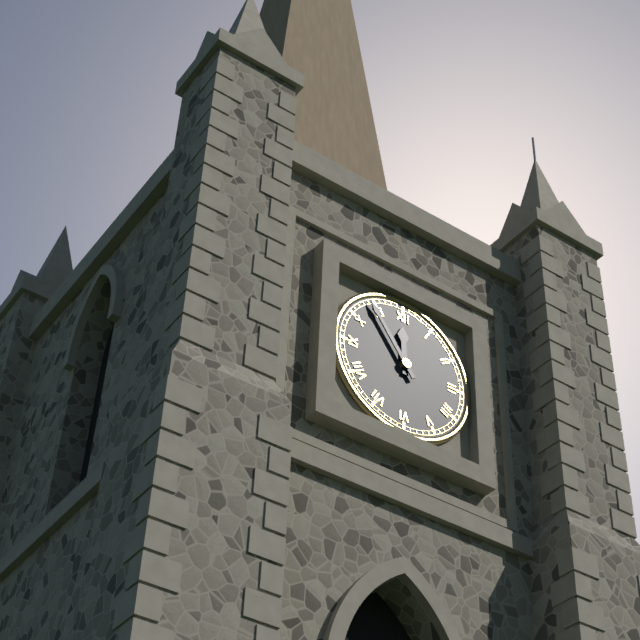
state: 11:54
